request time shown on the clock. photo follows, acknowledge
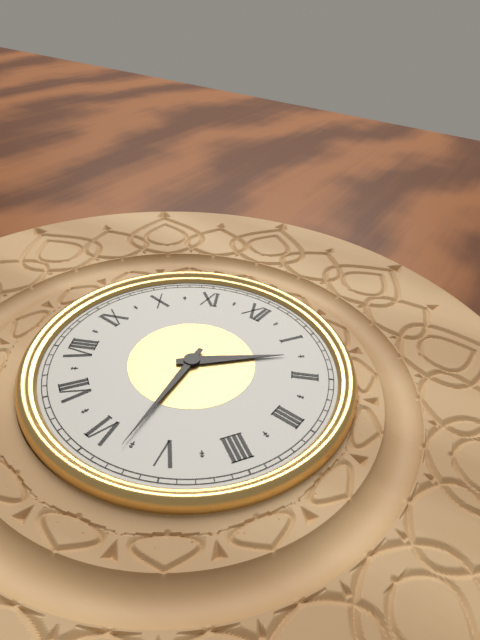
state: 1:28
